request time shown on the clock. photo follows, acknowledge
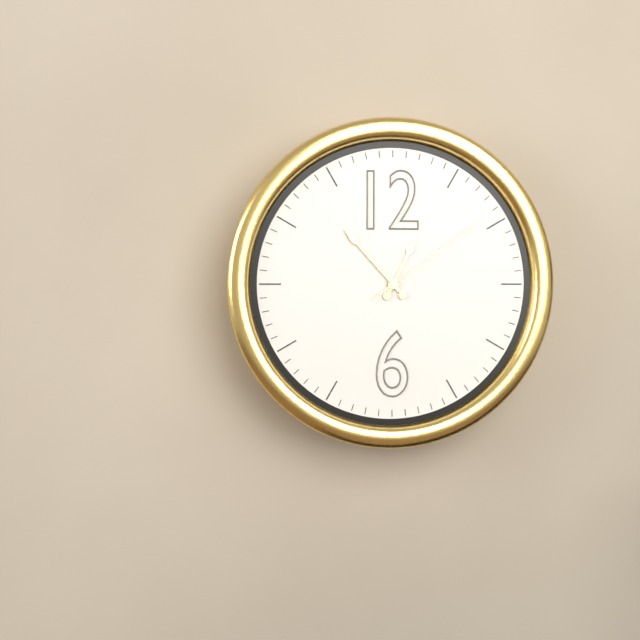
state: 12:53:09
